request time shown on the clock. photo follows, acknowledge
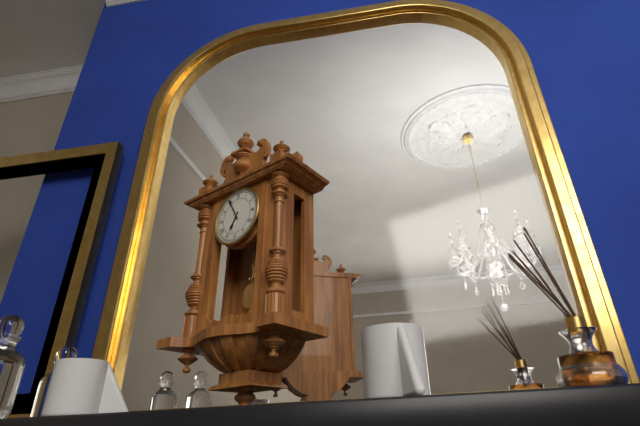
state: 6:55
